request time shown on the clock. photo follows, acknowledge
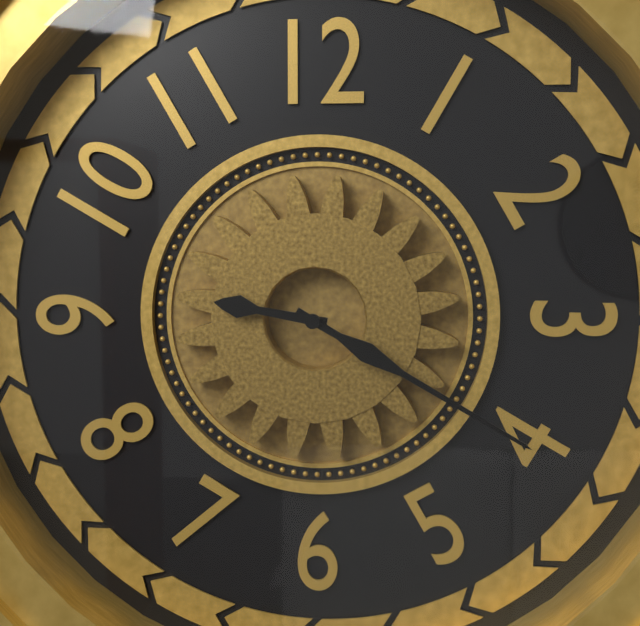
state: 9:20
